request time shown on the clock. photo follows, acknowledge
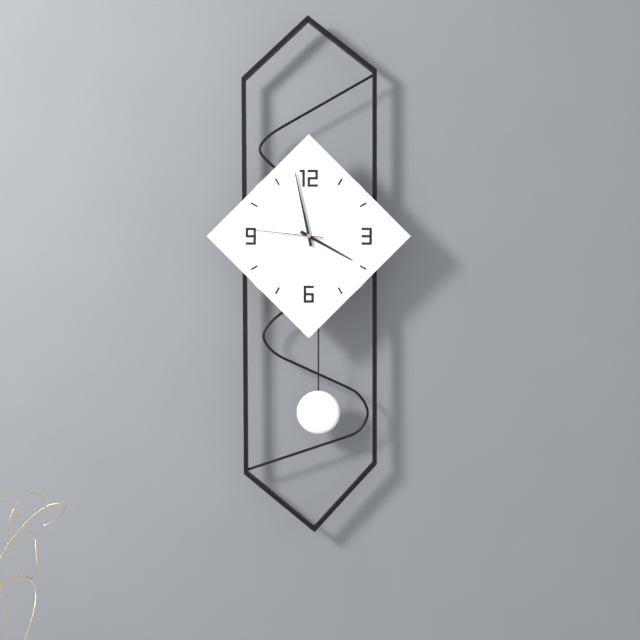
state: 3:58:46
